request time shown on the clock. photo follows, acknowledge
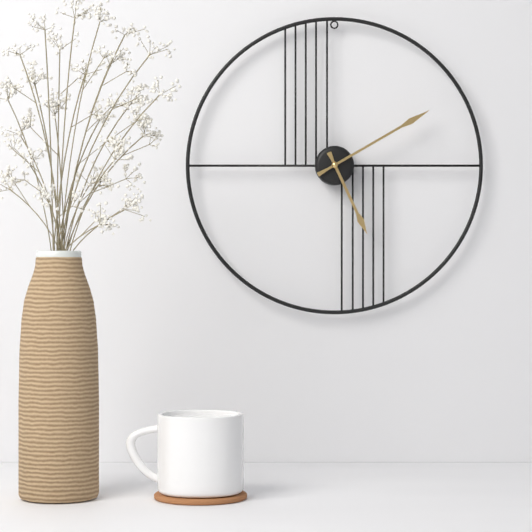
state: 5:10
